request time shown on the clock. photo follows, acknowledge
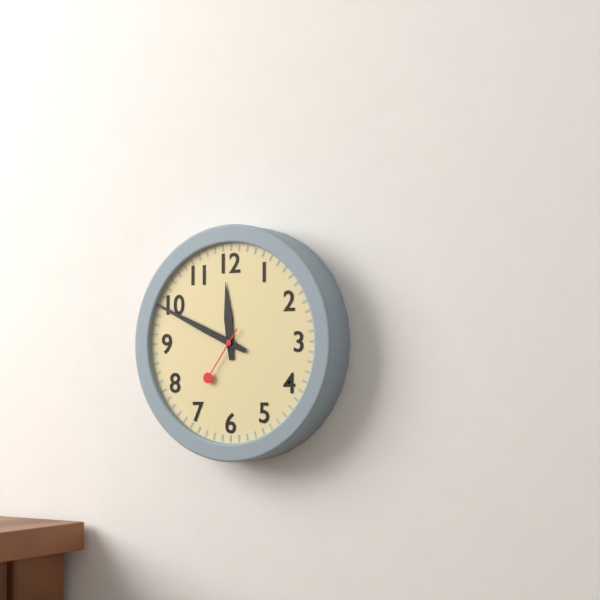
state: 11:49:36
